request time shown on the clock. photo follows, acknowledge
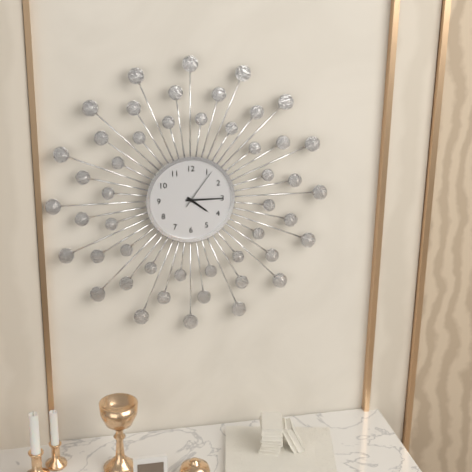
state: 4:15
